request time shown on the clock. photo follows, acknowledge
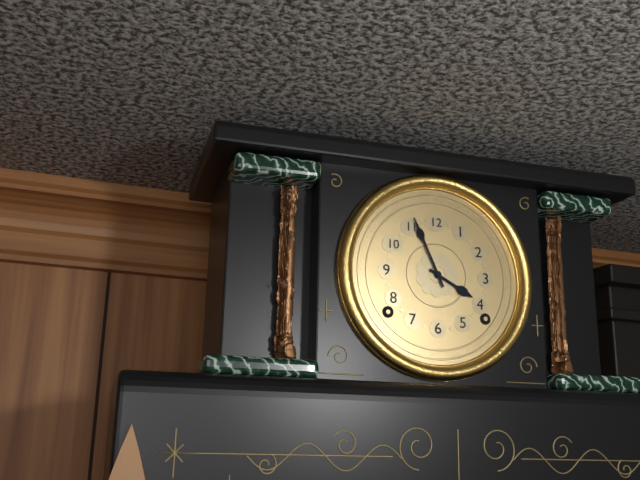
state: 3:56
